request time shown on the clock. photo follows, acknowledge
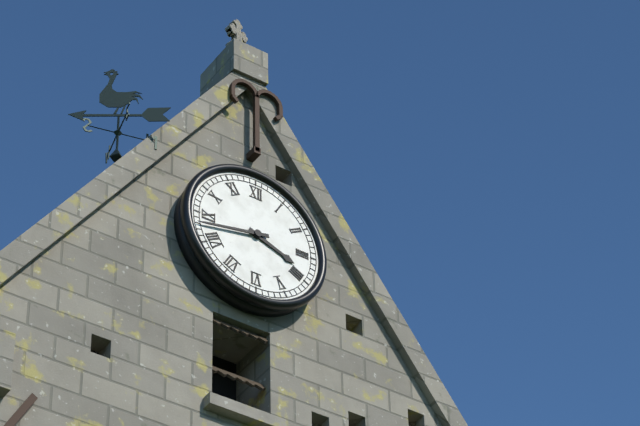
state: 3:43
